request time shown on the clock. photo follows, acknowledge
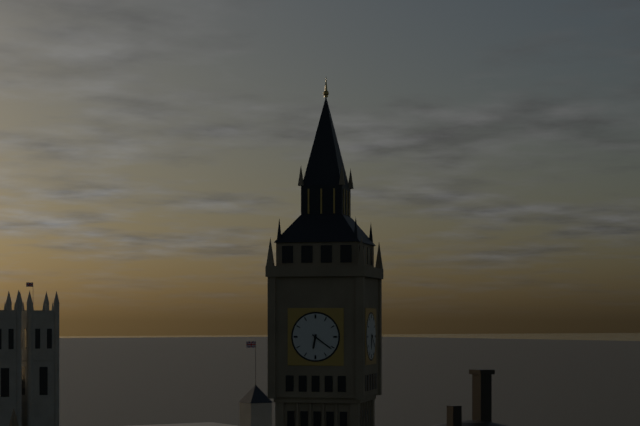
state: 6:21
